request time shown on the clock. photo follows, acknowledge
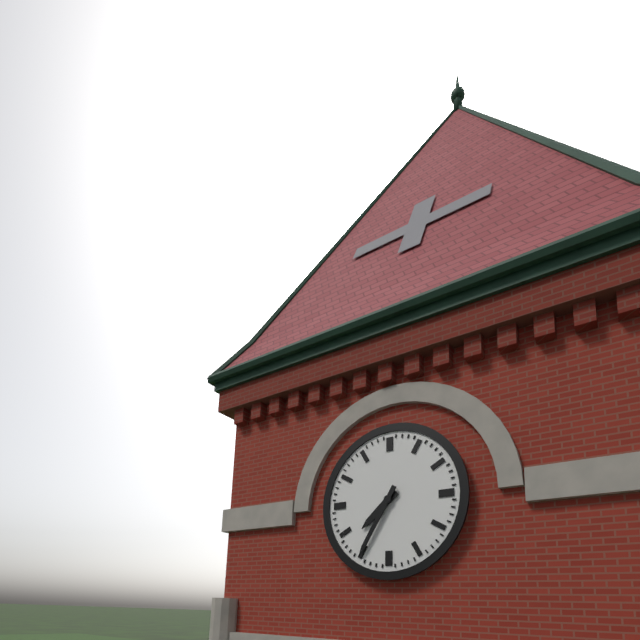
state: 7:35
